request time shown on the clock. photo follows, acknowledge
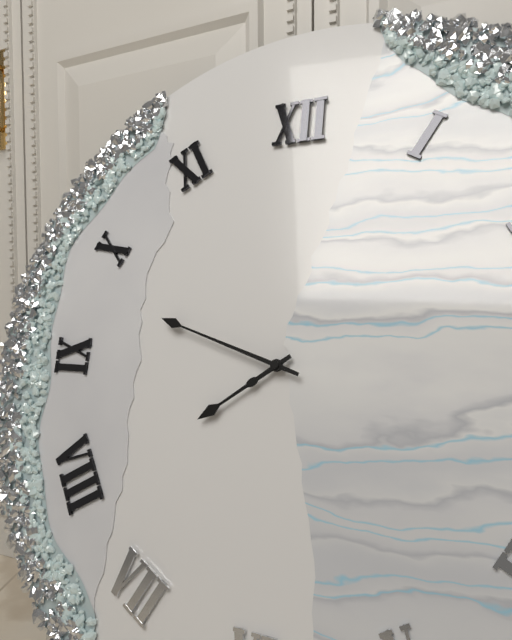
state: 7:48
